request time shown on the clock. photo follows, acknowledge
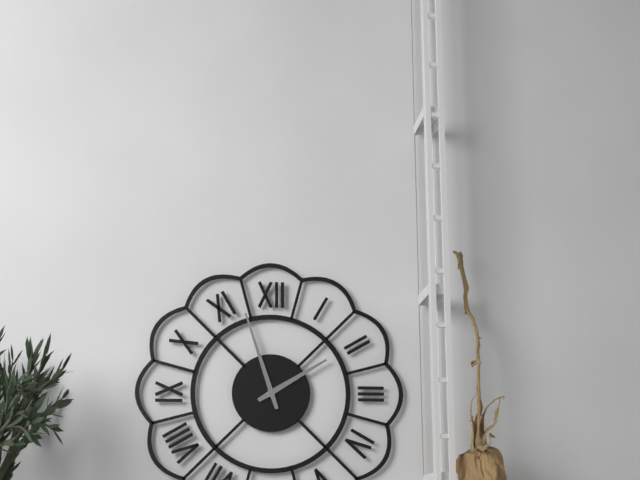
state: 1:57
